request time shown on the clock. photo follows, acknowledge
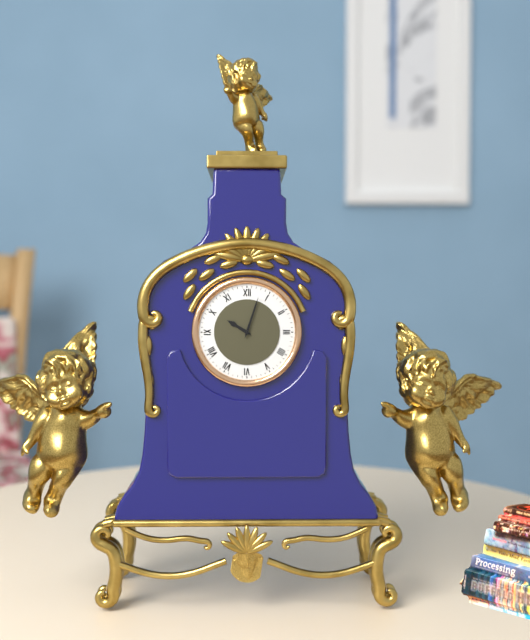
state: 10:03
